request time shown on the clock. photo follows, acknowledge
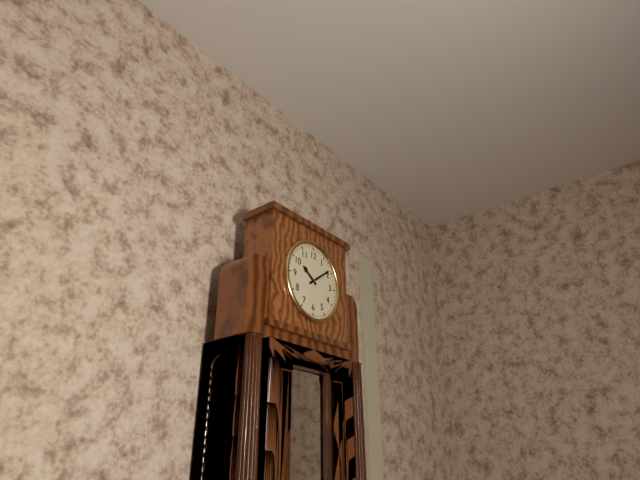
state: 10:09
